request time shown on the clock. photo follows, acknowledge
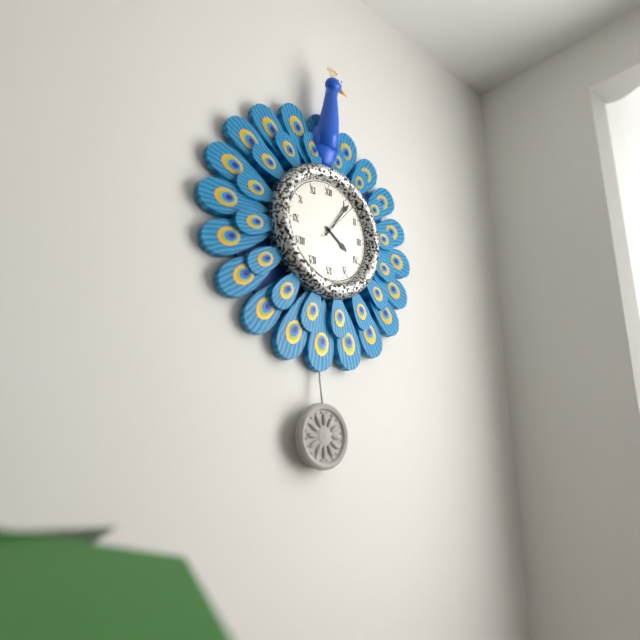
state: 4:06
